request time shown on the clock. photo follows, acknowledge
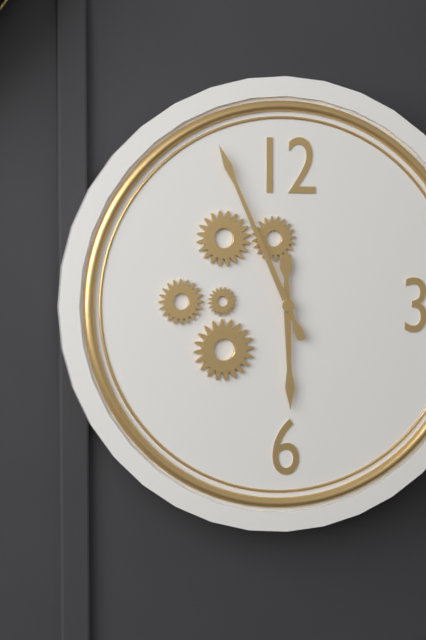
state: 5:56
